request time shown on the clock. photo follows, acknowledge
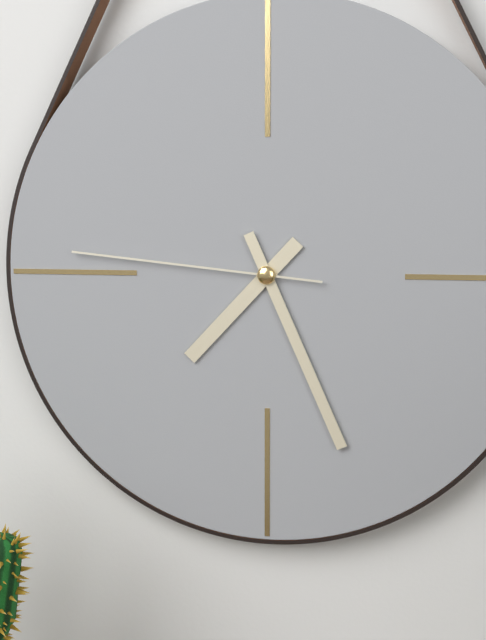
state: 7:26:46
